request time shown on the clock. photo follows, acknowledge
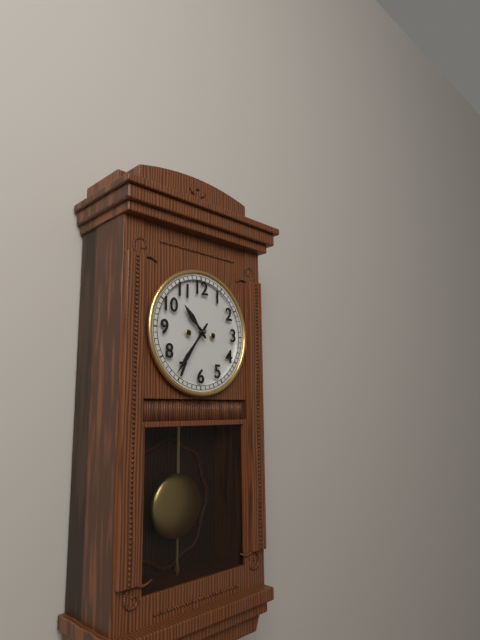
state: 10:36
